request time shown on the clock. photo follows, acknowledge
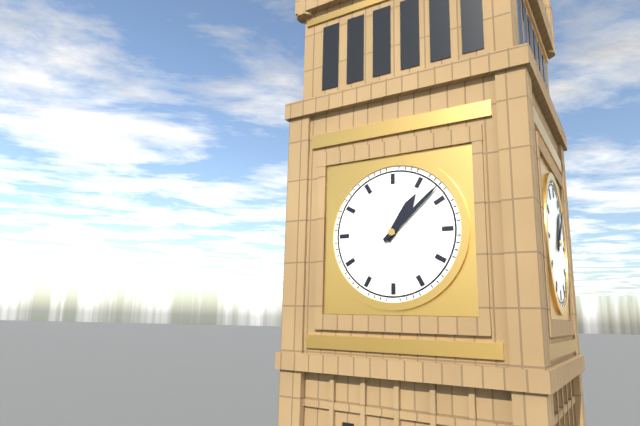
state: 1:08
